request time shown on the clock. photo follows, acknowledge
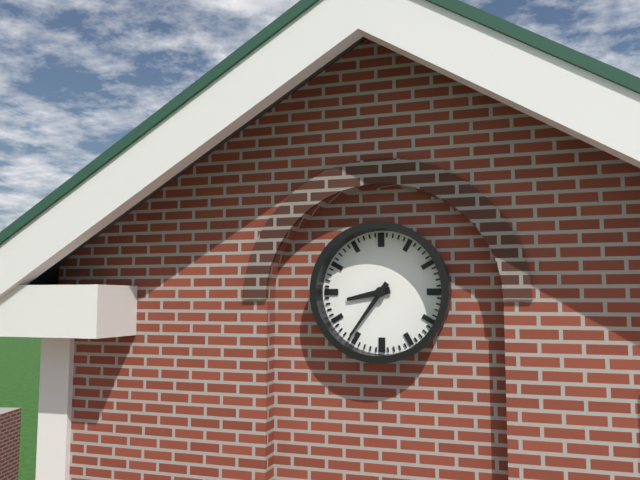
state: 8:36
